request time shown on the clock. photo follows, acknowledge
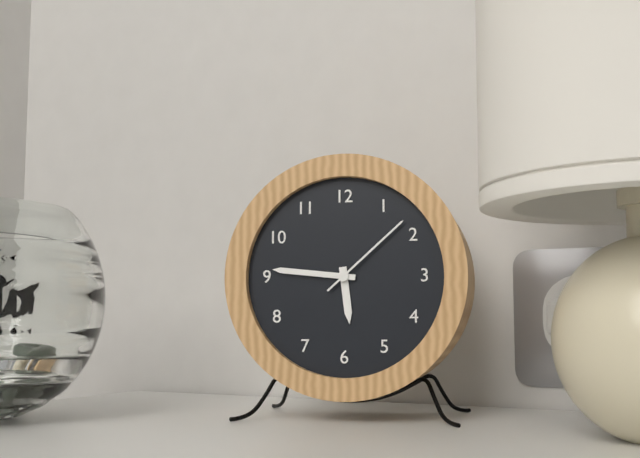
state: 5:46:08
